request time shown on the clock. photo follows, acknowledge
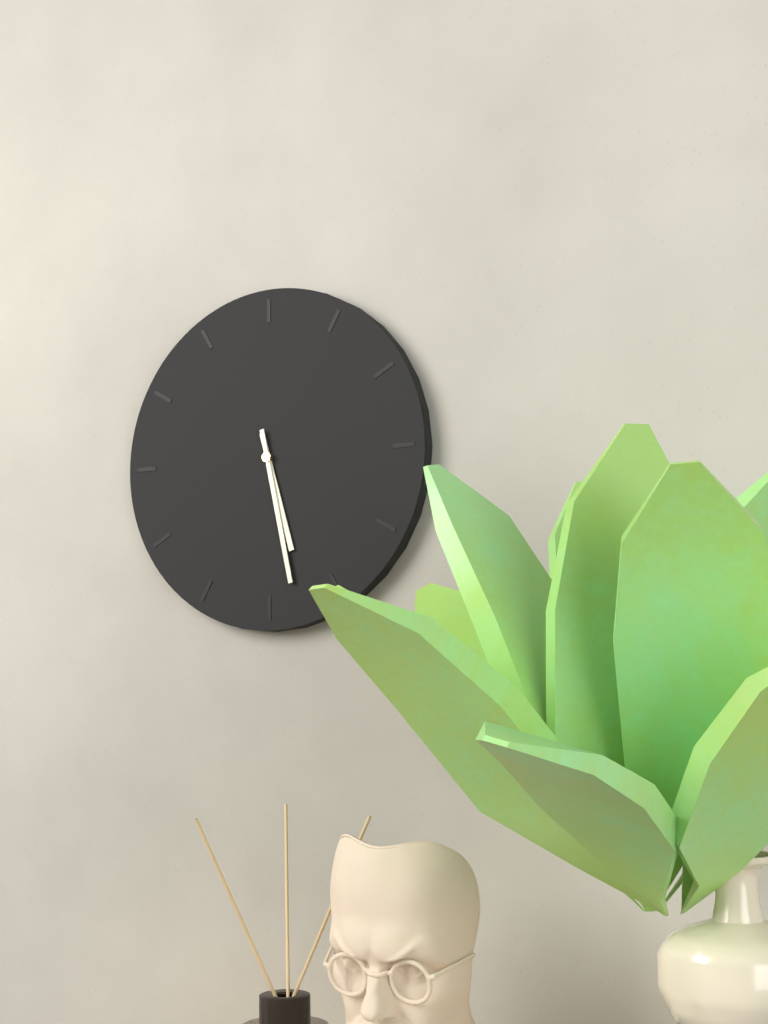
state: 5:28
